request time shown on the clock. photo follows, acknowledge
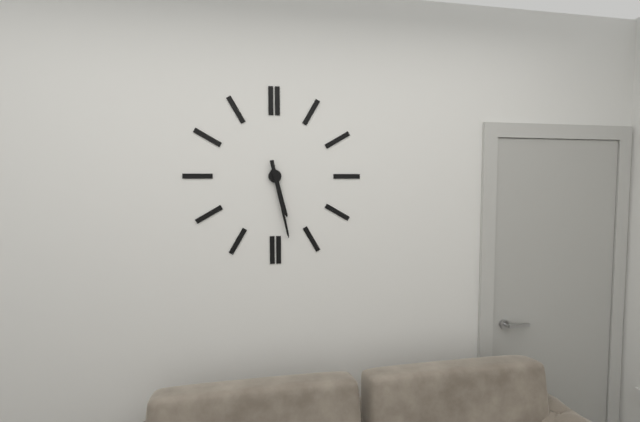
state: 5:28
